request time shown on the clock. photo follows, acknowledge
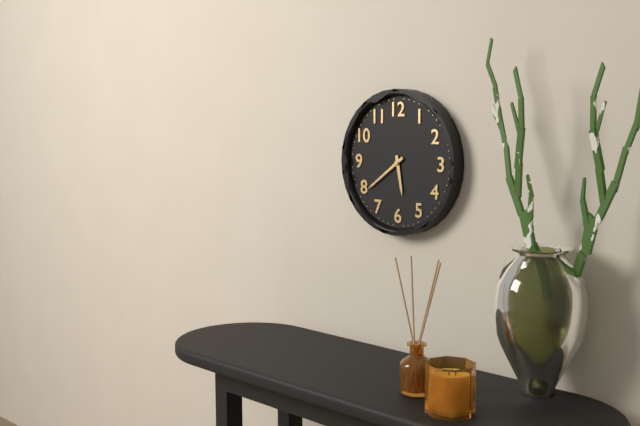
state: 5:39
